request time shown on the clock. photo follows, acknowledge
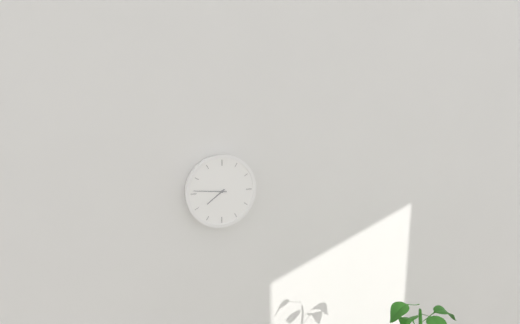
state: 7:46
